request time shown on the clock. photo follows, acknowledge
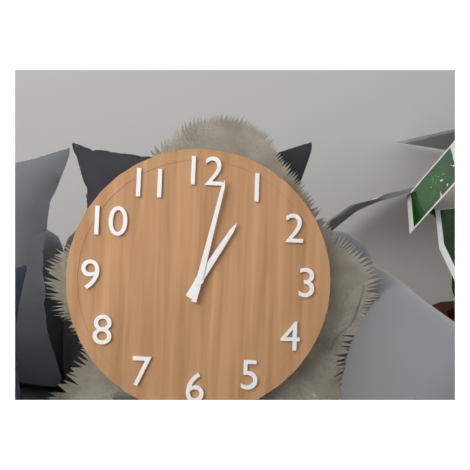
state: 1:02
